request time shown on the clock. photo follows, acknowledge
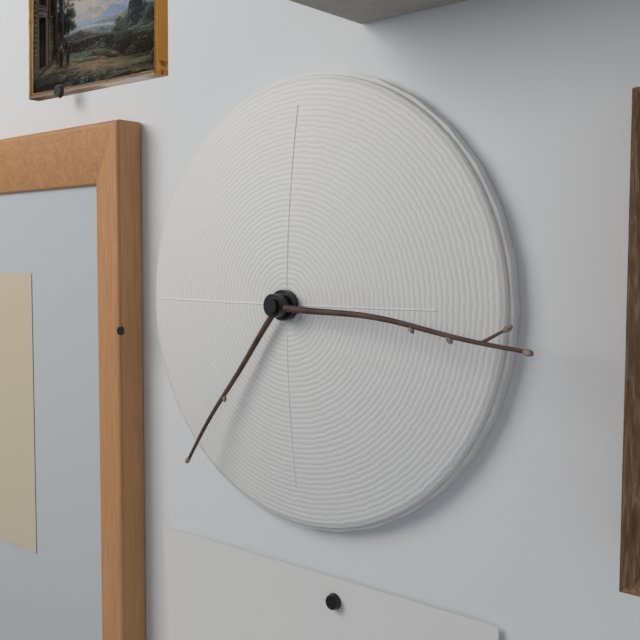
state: 7:16
